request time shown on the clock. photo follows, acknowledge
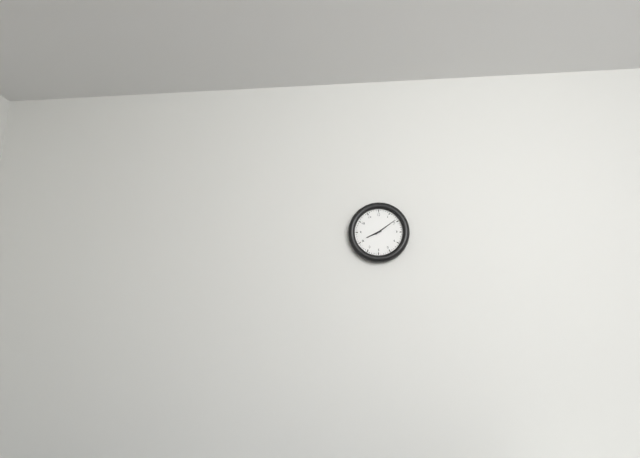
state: 8:09
